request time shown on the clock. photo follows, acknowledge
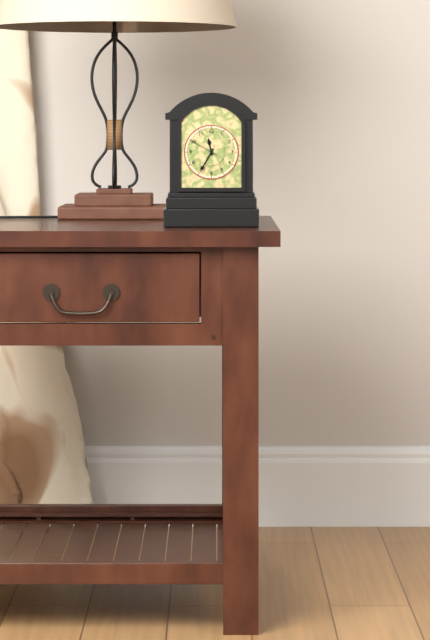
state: 11:35
